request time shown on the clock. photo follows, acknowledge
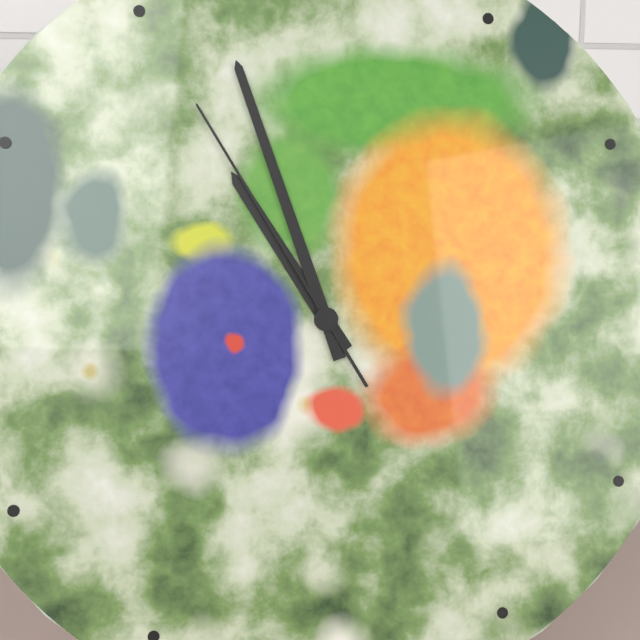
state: 10:57:55
